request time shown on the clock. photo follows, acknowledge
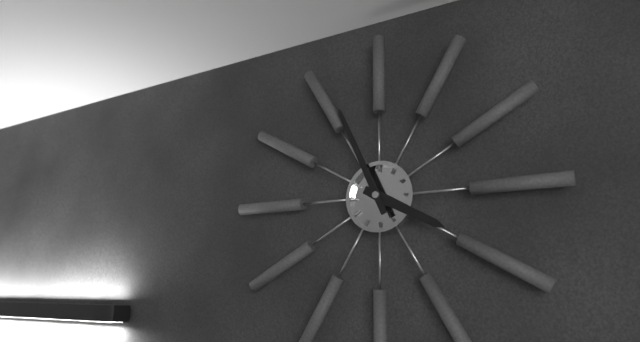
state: 3:56
